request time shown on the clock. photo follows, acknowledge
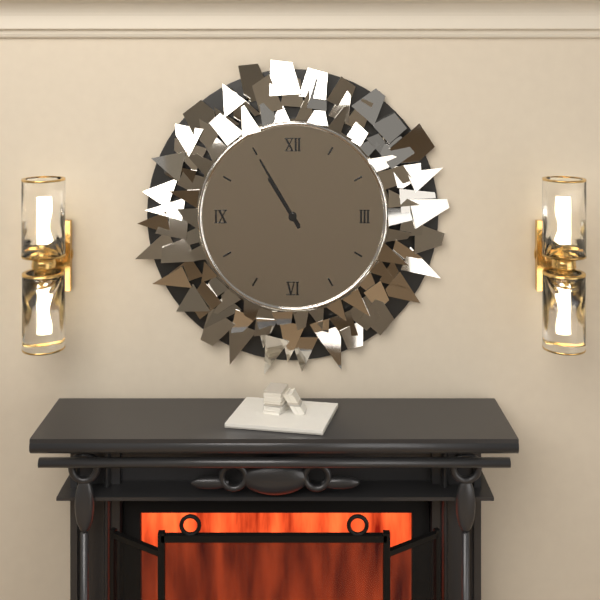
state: 10:55
